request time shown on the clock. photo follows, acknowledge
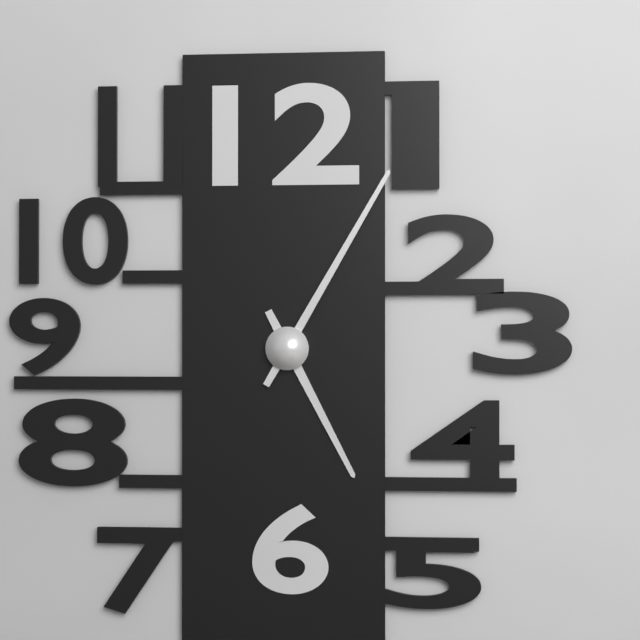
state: 5:05
